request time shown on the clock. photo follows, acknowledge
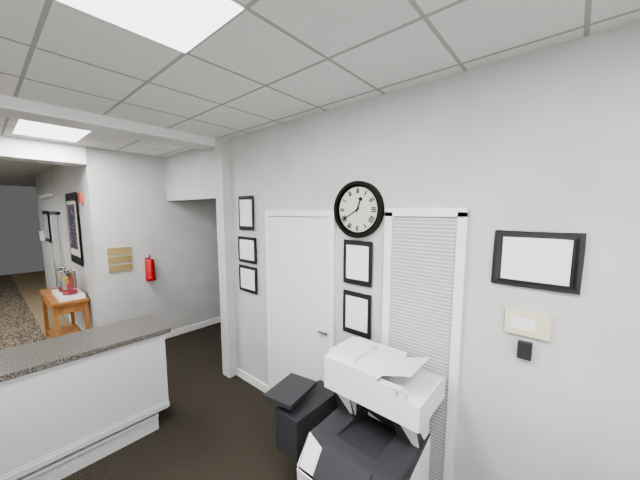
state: 12:40
